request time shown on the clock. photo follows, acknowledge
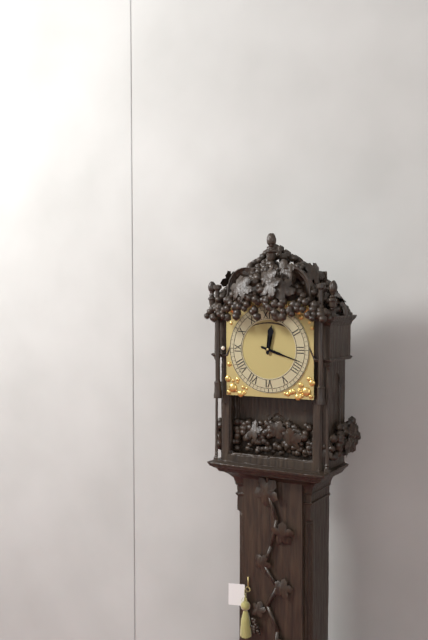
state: 12:18
